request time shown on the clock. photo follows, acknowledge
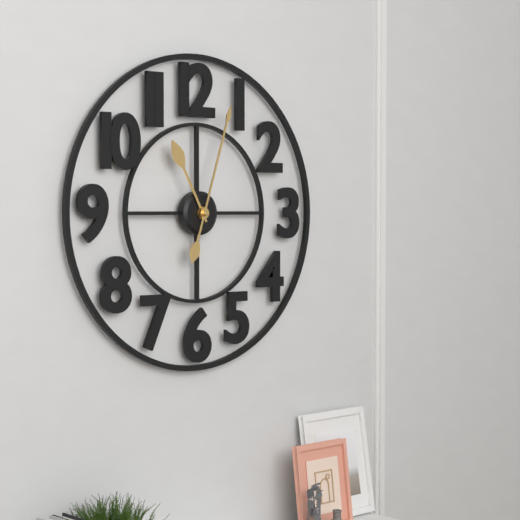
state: 11:03
